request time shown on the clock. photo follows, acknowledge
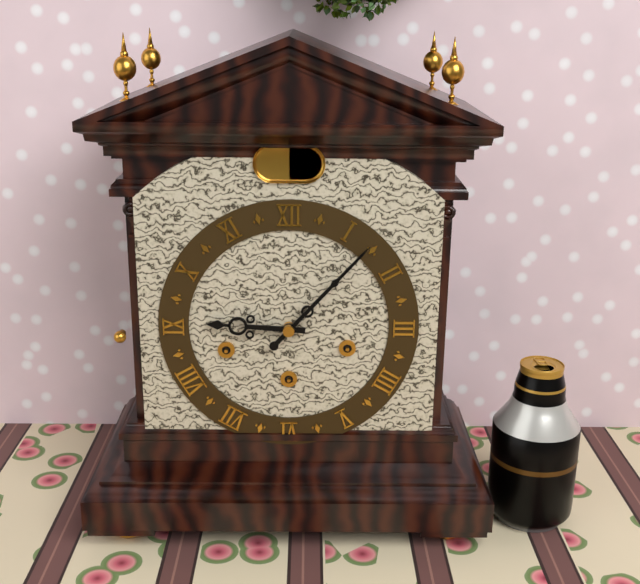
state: 9:07
